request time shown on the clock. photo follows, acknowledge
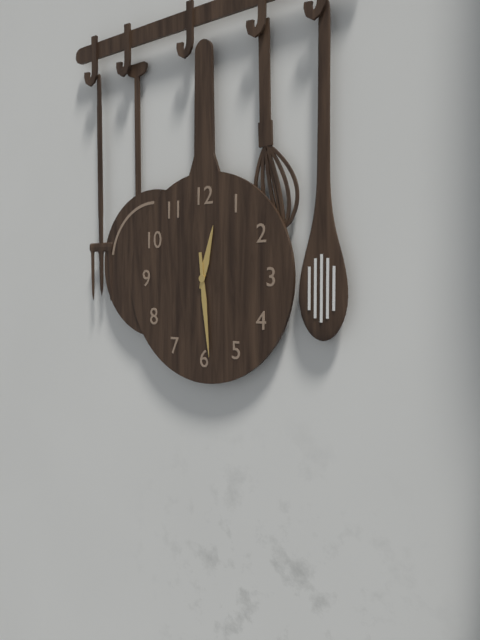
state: 12:29
